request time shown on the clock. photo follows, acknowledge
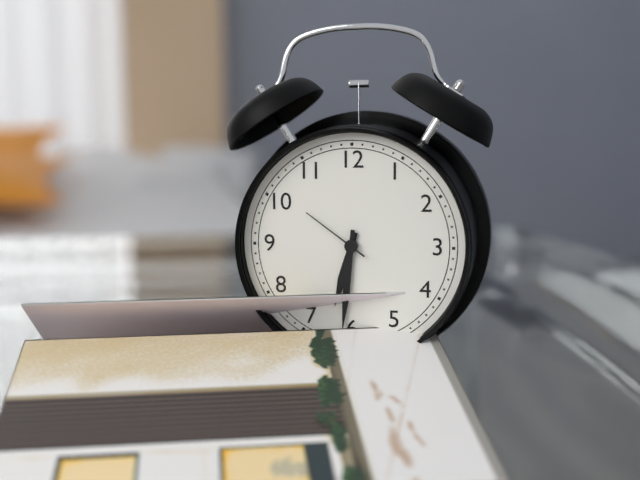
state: 6:31:51
